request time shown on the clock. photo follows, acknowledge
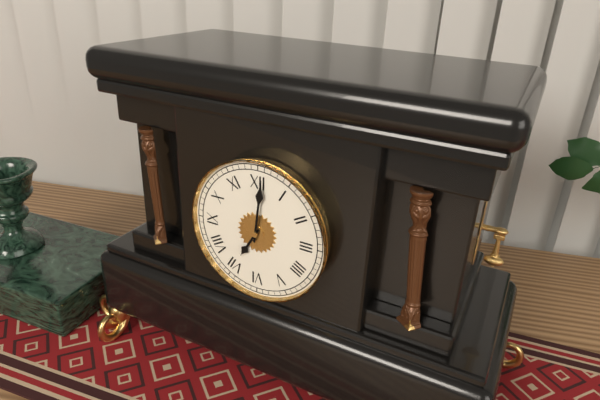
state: 7:01
